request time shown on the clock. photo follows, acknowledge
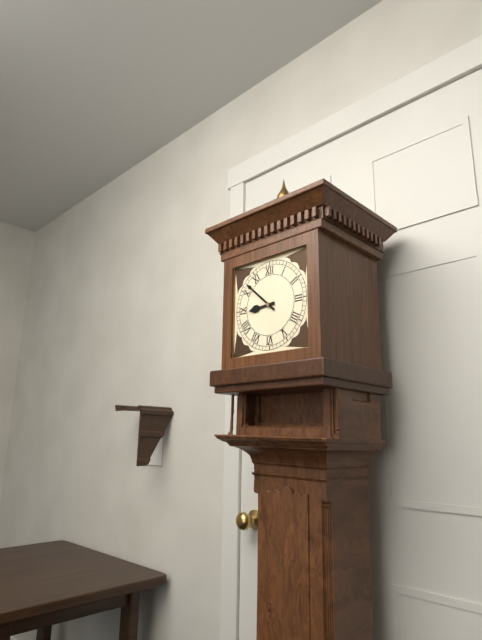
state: 8:52
